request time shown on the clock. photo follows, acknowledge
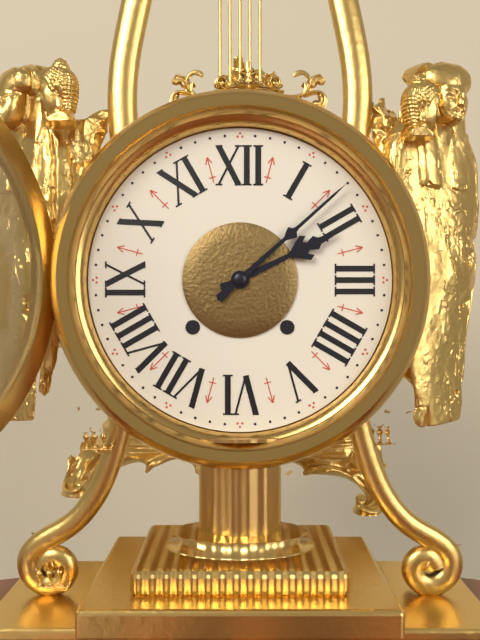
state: 2:08
